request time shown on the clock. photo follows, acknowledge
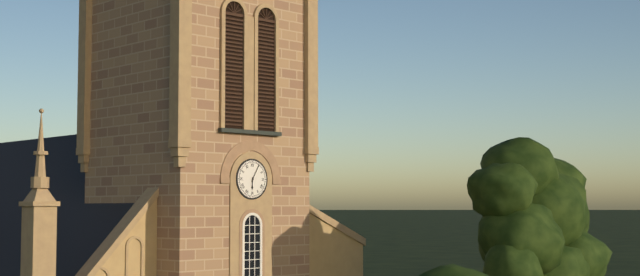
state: 6:05
